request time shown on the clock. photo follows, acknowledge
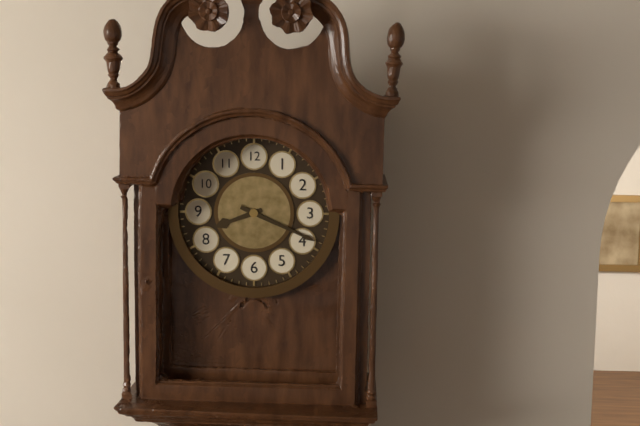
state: 8:19
